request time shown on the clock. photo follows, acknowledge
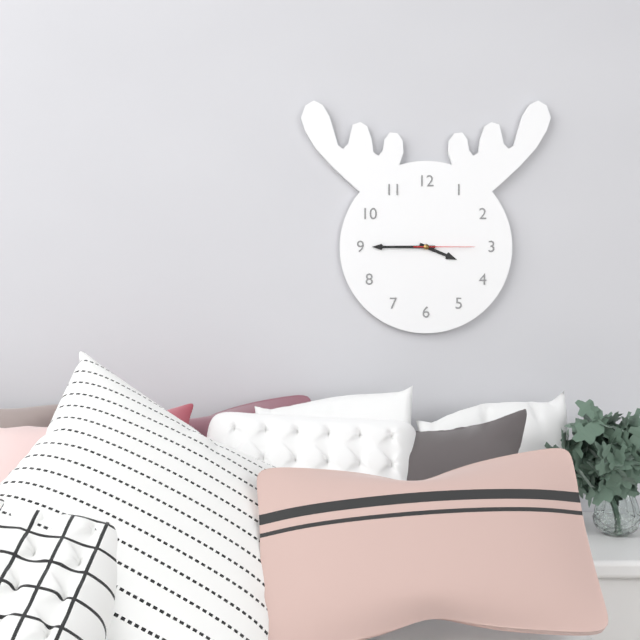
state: 3:45:15
